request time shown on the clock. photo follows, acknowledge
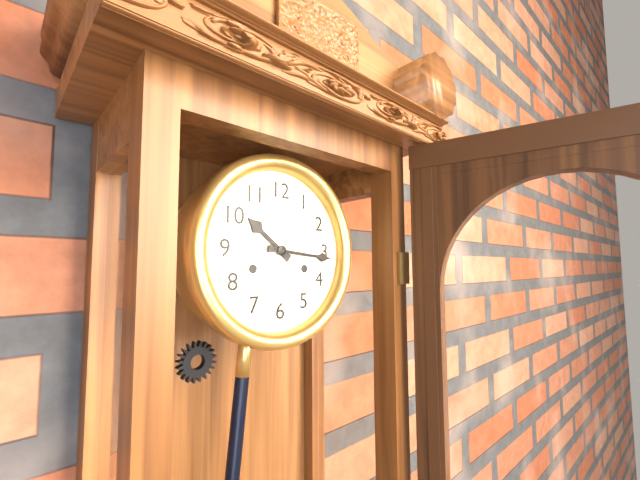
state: 10:16
